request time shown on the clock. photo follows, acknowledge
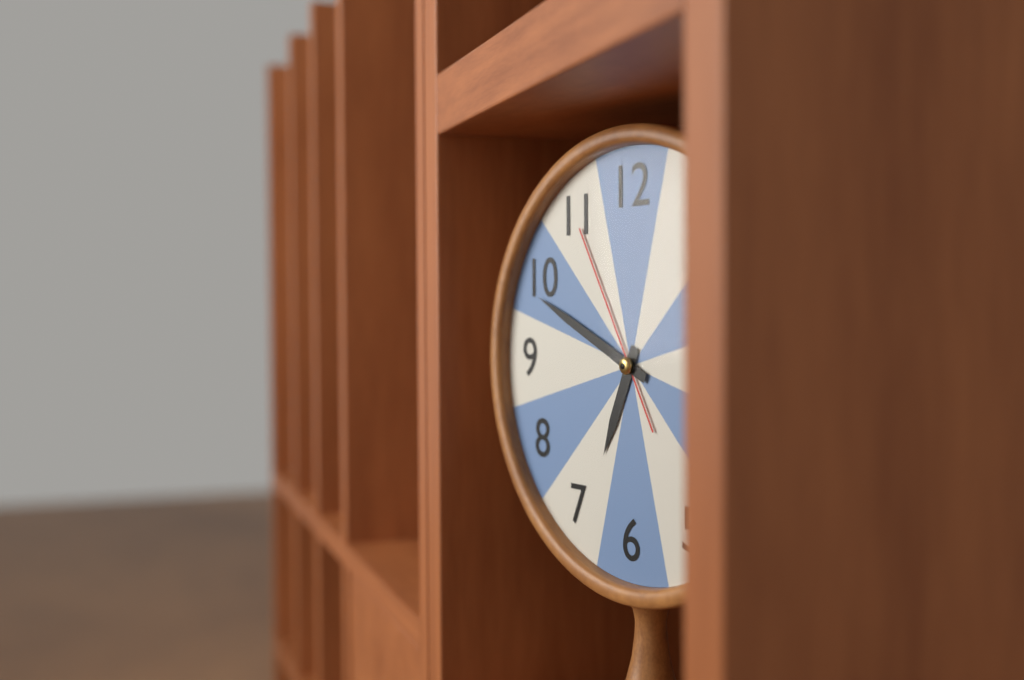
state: 6:49:55
